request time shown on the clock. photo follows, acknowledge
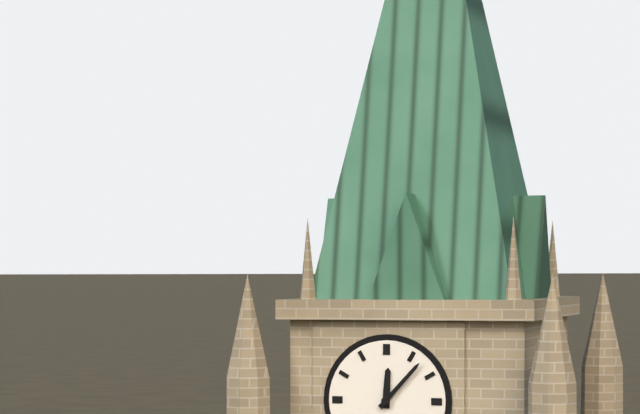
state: 12:07
